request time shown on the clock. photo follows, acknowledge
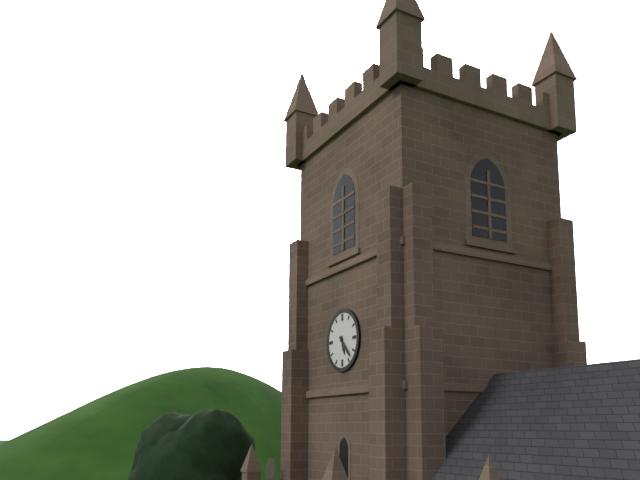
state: 5:23
